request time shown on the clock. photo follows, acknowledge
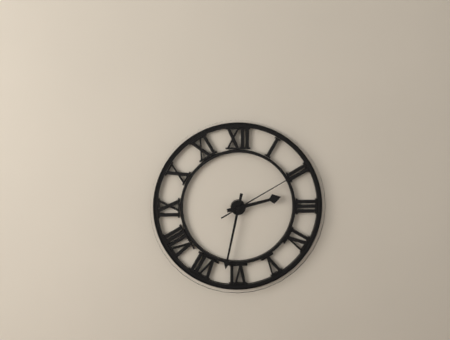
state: 2:32:10
